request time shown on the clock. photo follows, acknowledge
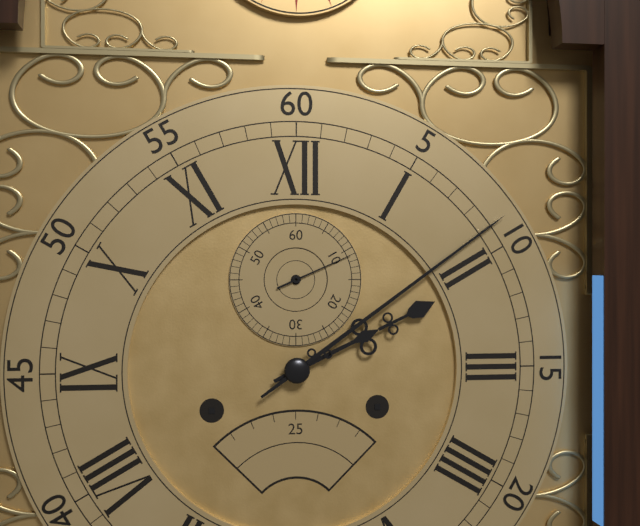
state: 2:09:11
